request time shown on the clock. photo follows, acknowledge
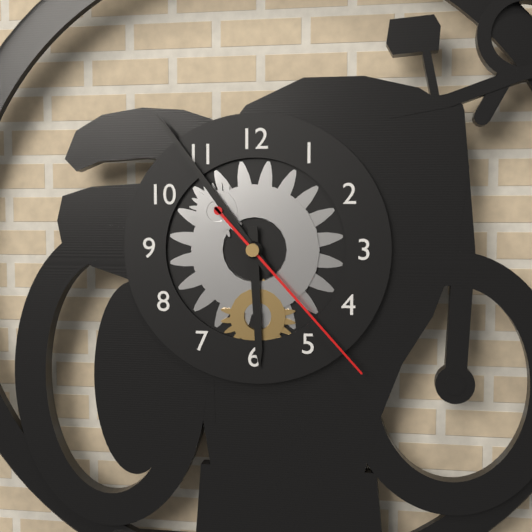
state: 5:54:23
